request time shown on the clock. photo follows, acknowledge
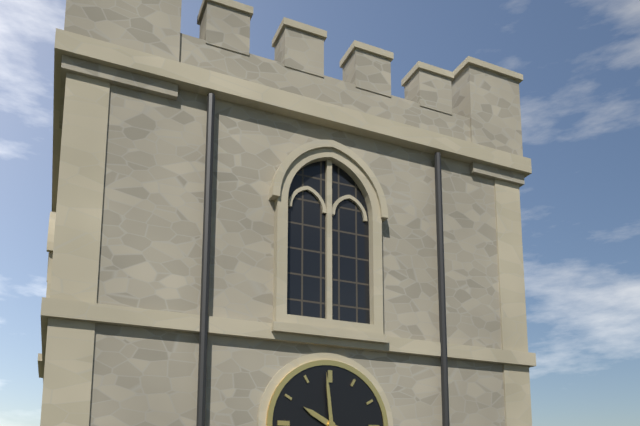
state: 9:59
